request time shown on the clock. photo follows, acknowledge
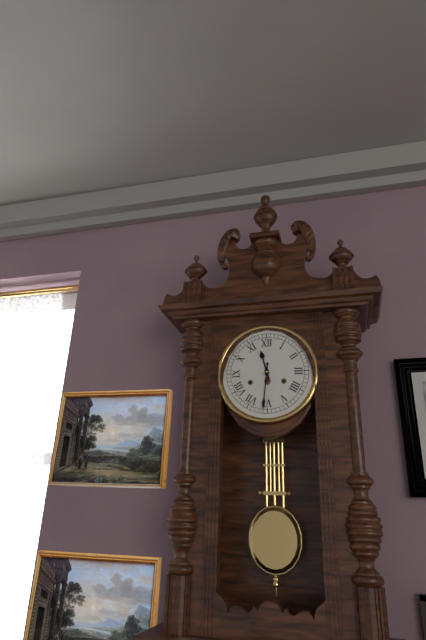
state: 11:31
